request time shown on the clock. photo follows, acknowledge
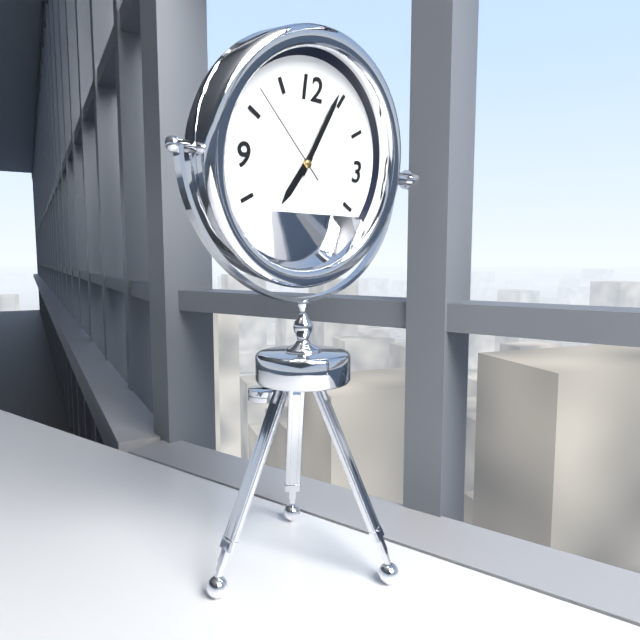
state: 7:04:52
